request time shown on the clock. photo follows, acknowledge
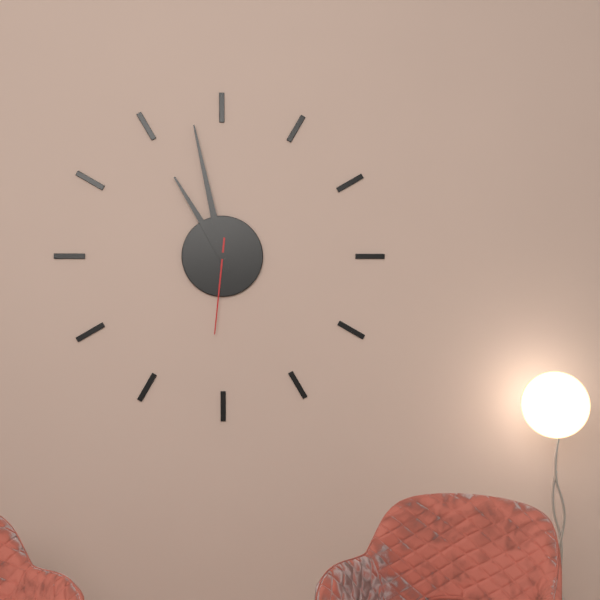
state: 10:58:31
